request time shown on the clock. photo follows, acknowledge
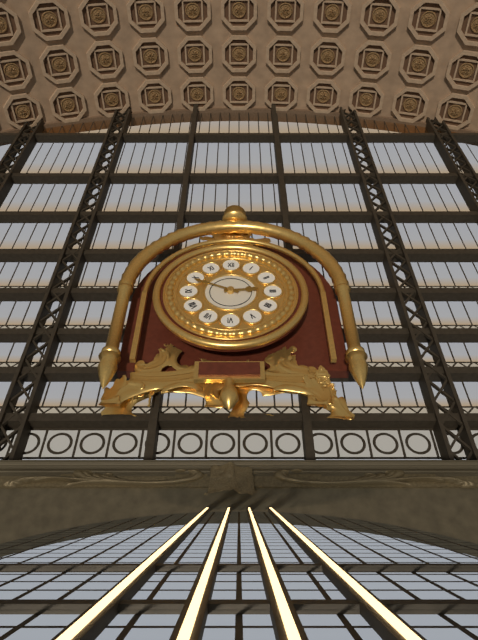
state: 2:49
